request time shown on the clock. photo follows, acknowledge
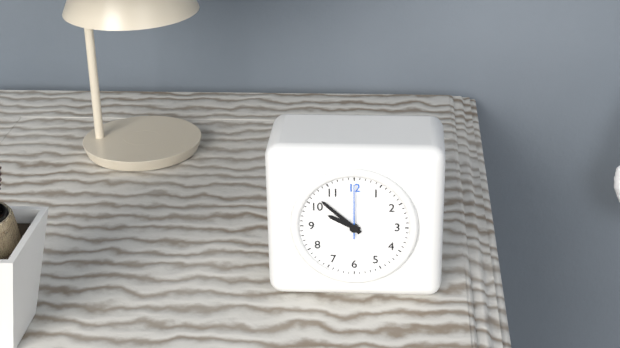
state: 9:52:00
